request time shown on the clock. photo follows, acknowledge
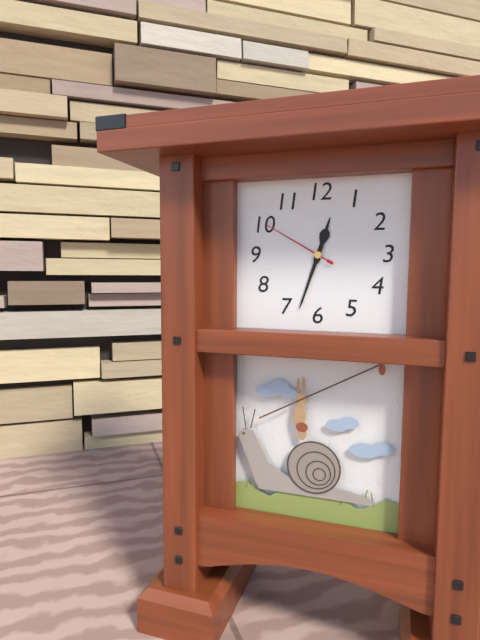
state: 12:33:50
